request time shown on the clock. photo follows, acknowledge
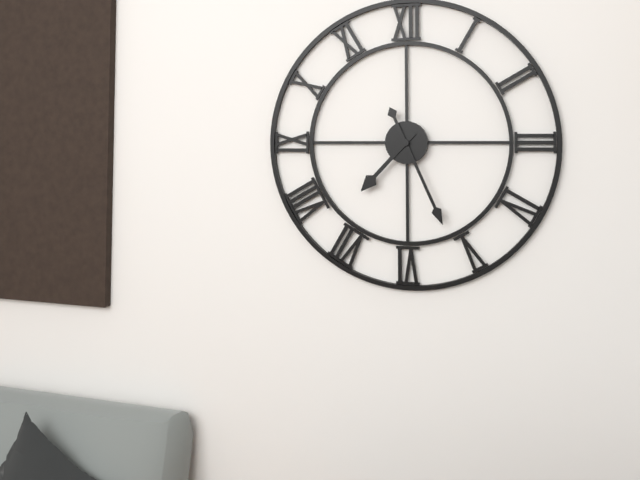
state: 7:26
